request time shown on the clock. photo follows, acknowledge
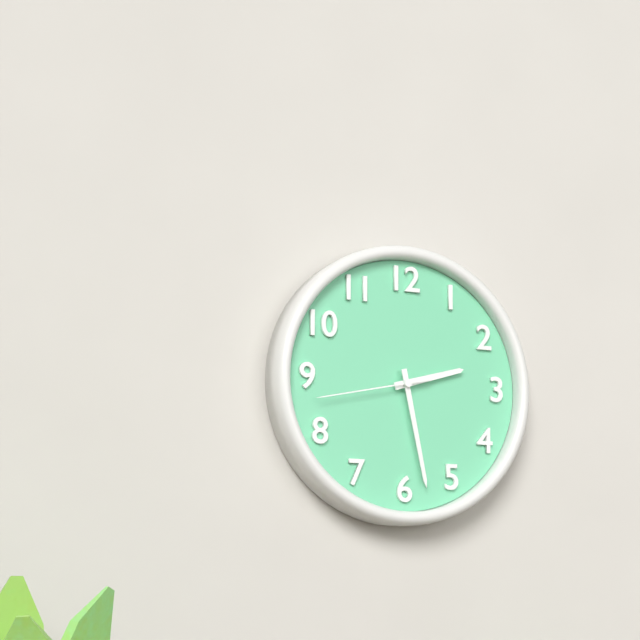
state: 2:28:43
